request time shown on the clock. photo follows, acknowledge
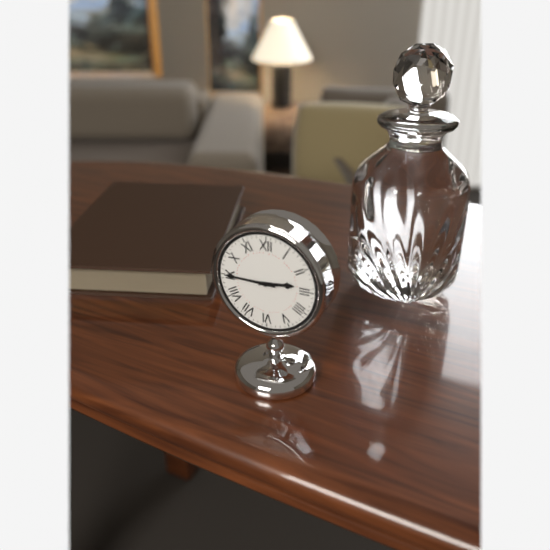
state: 2:45
